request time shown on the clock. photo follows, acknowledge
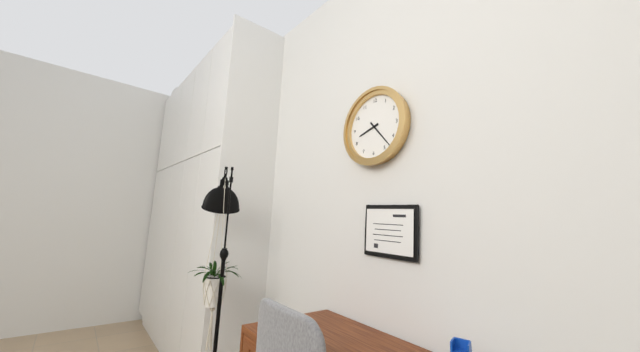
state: 8:23
